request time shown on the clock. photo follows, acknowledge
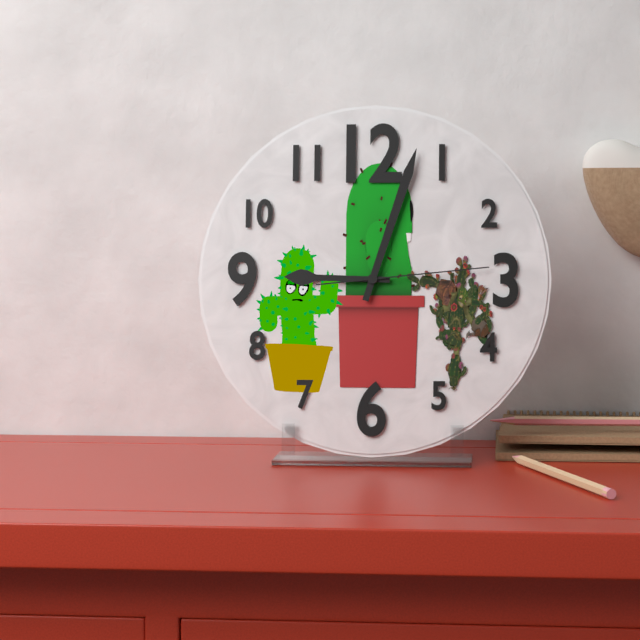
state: 9:03:14
